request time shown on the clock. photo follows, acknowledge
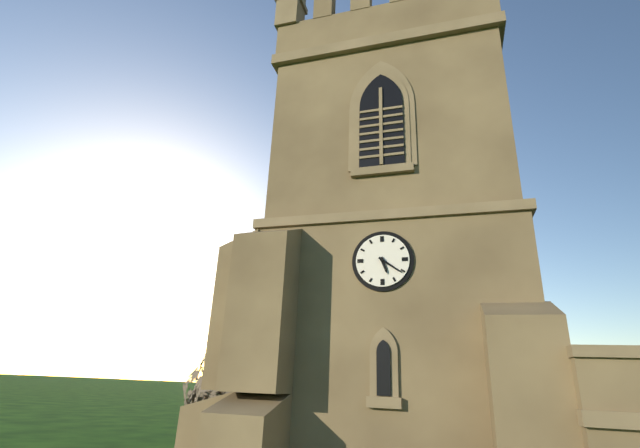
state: 5:21
